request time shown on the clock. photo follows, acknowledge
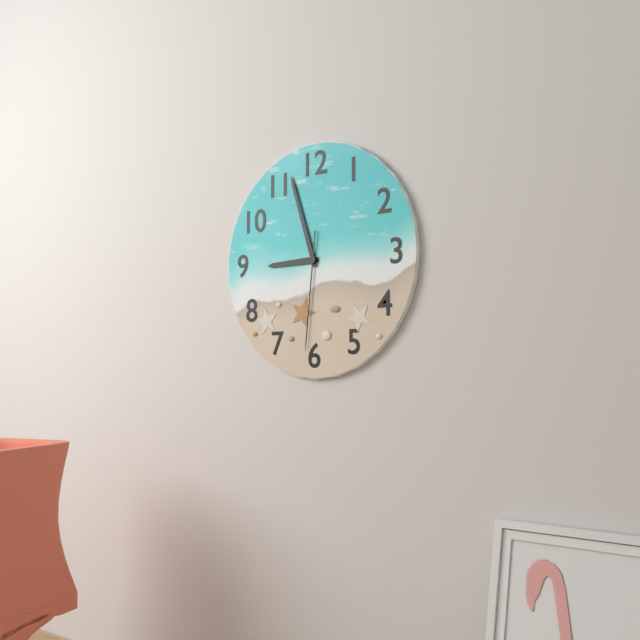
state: 8:57:31
